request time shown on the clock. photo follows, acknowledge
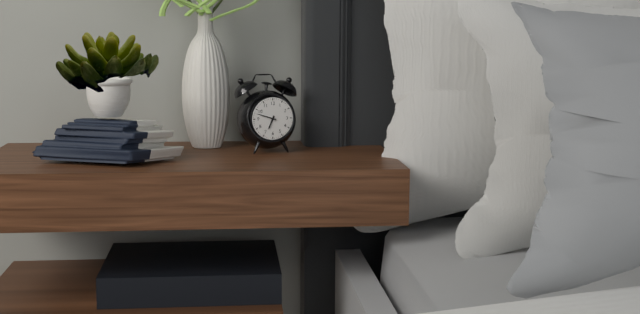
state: 6:48
